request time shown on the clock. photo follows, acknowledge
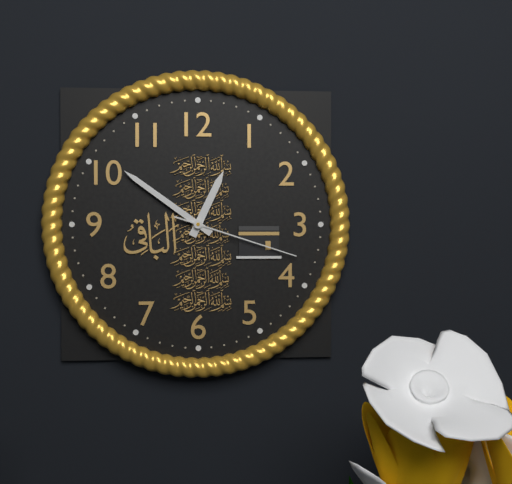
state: 12:51:18
